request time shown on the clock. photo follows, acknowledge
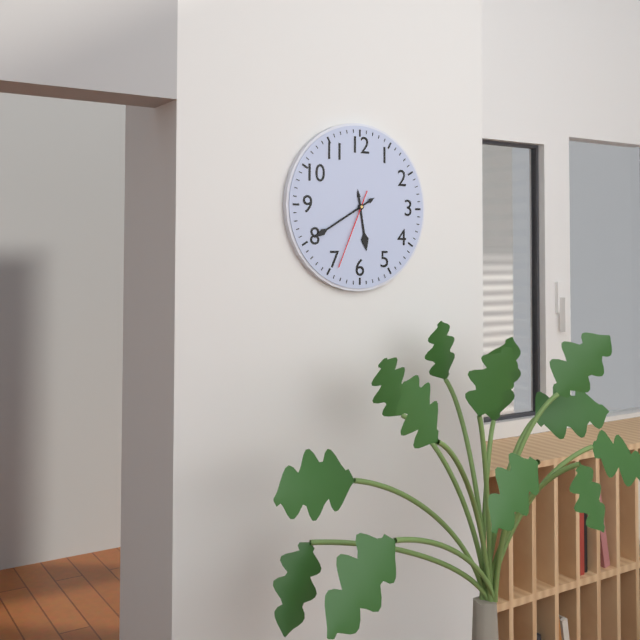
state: 5:40:34
